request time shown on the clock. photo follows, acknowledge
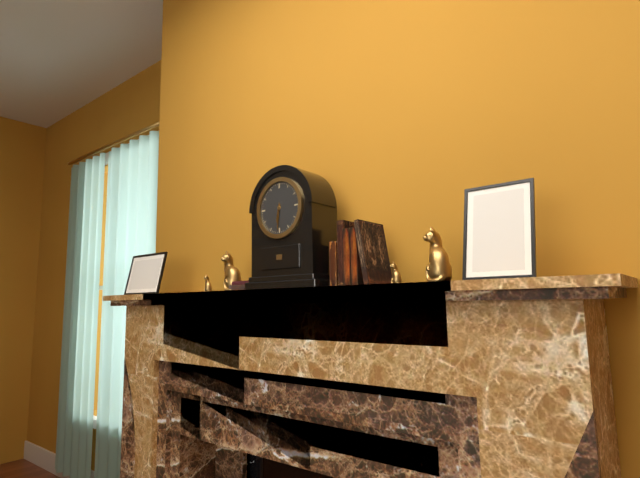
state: 6:31
